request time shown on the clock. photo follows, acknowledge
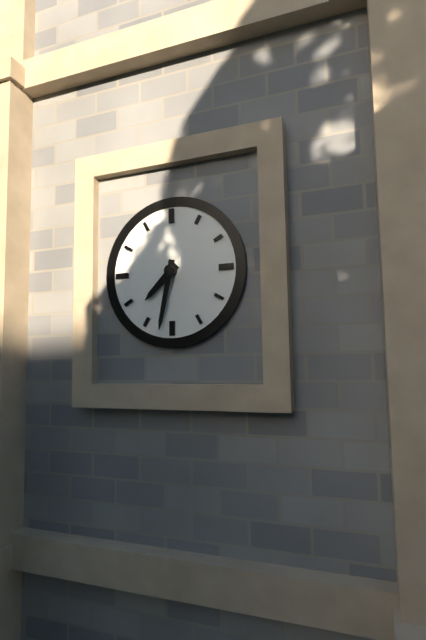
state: 7:32
